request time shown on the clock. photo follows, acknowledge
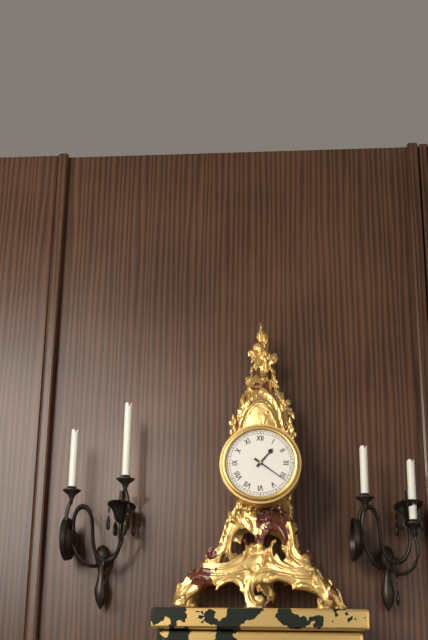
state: 1:21
